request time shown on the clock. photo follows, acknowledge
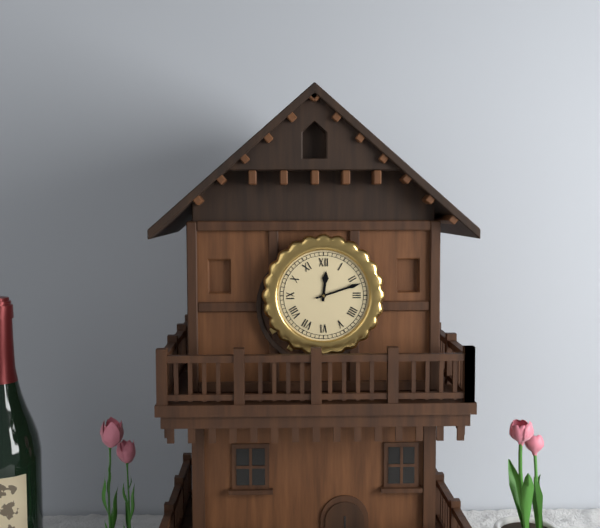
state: 12:12
